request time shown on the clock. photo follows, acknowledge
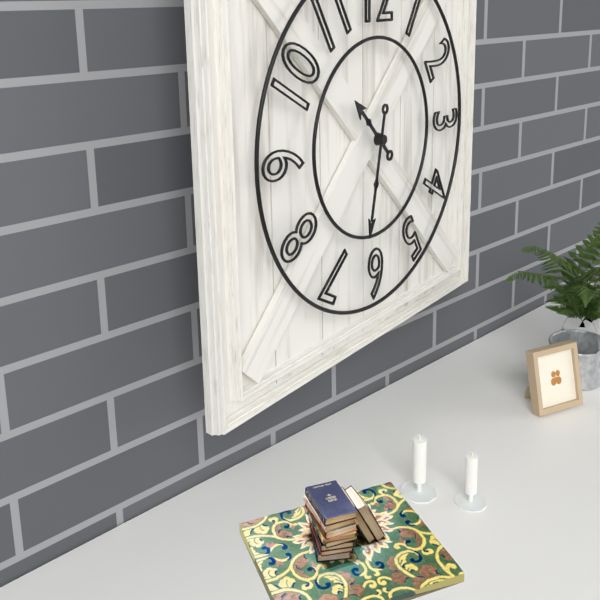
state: 10:32
